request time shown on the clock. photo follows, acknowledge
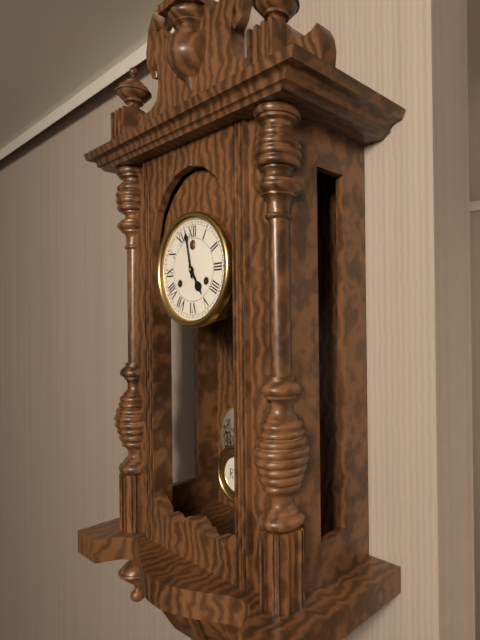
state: 4:58
